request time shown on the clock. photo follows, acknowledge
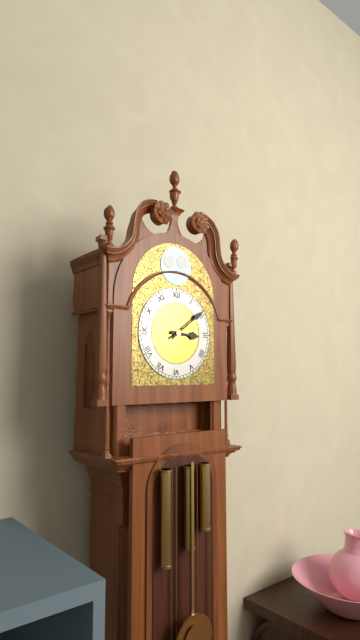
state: 3:09
